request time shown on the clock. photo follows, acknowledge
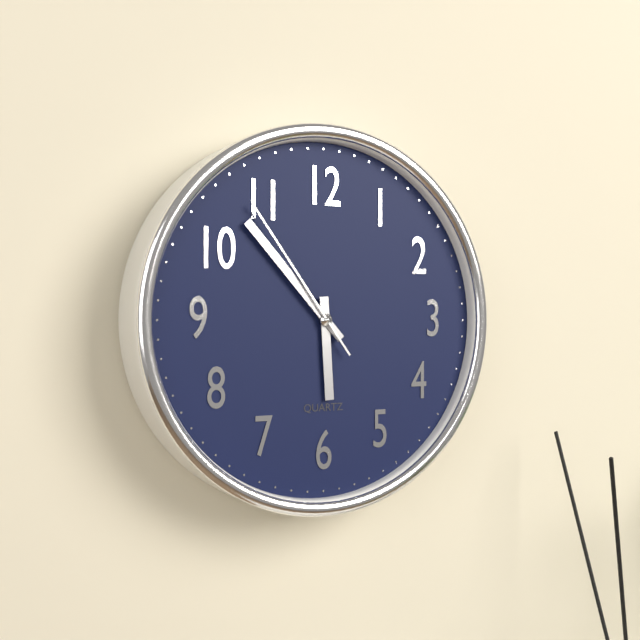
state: 5:53:54
